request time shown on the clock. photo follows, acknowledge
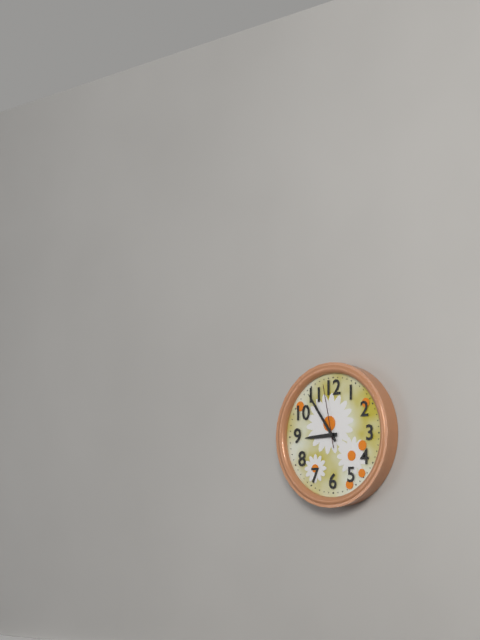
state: 8:54:58
